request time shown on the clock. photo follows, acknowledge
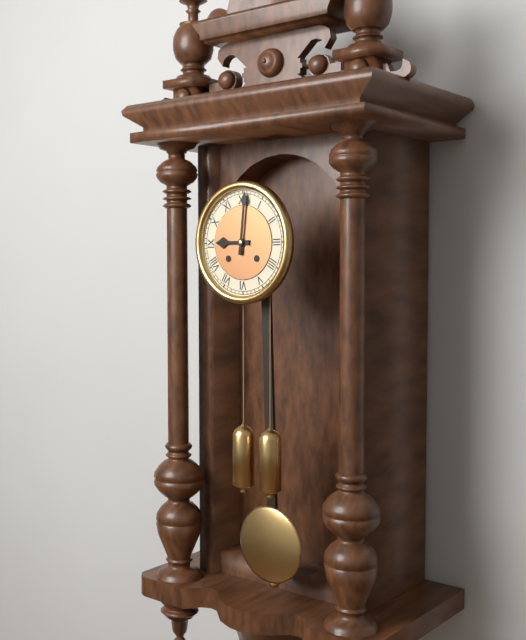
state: 9:01
